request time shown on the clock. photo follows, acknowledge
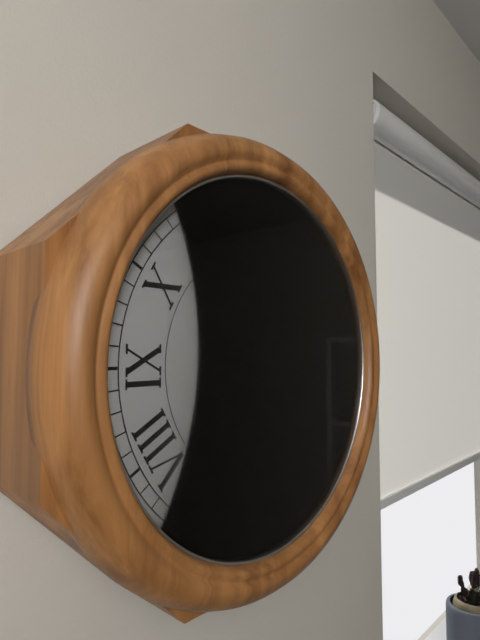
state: 4:23
